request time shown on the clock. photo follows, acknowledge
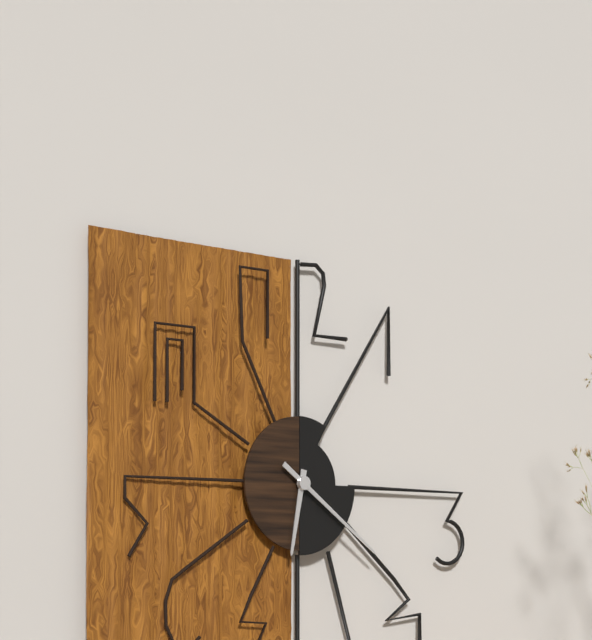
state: 6:21
